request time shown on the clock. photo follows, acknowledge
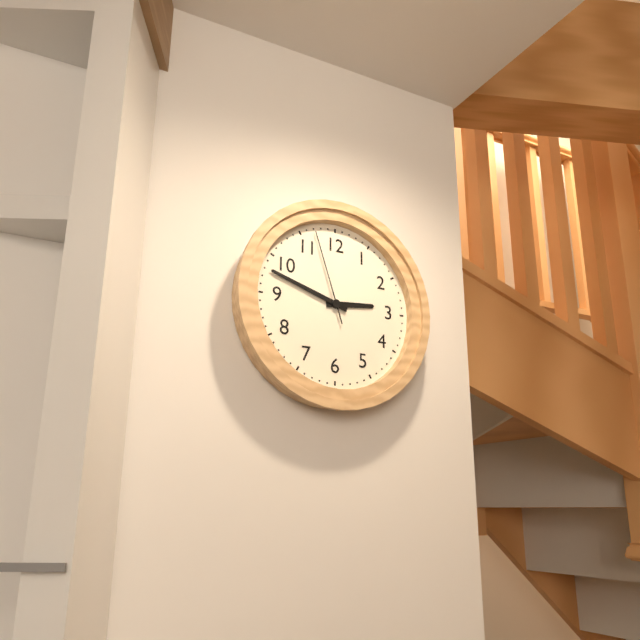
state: 2:48:57
